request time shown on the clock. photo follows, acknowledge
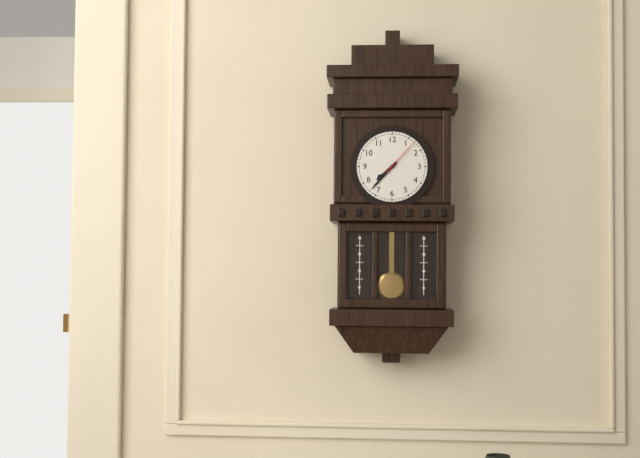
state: 7:37
